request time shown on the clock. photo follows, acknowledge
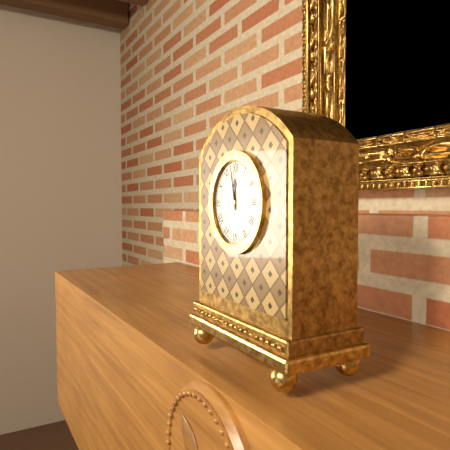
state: 11:58
